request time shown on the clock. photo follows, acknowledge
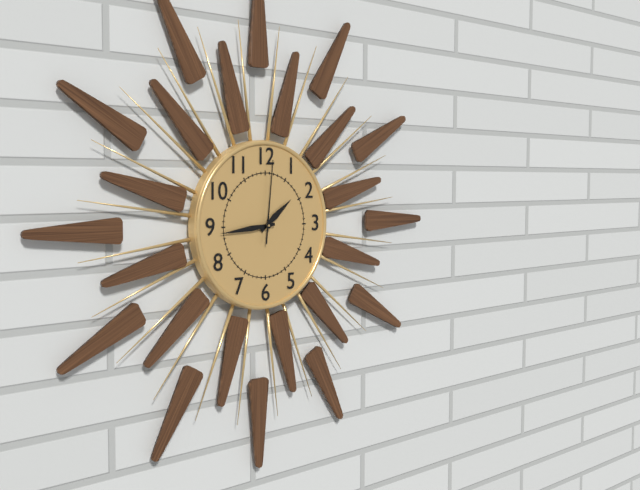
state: 1:44:01
